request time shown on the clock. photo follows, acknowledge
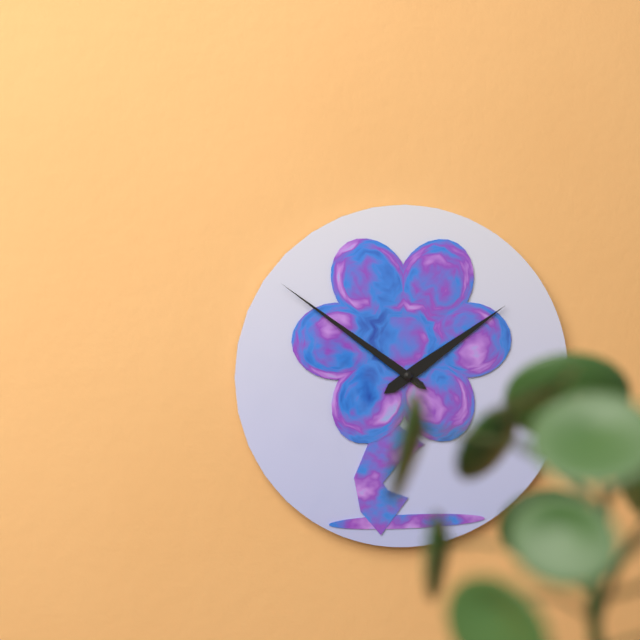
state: 1:51
